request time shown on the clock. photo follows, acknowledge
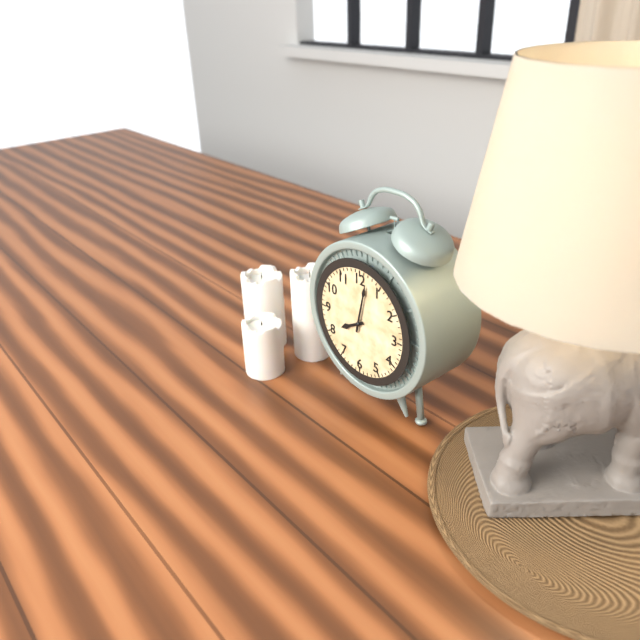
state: 8:02
